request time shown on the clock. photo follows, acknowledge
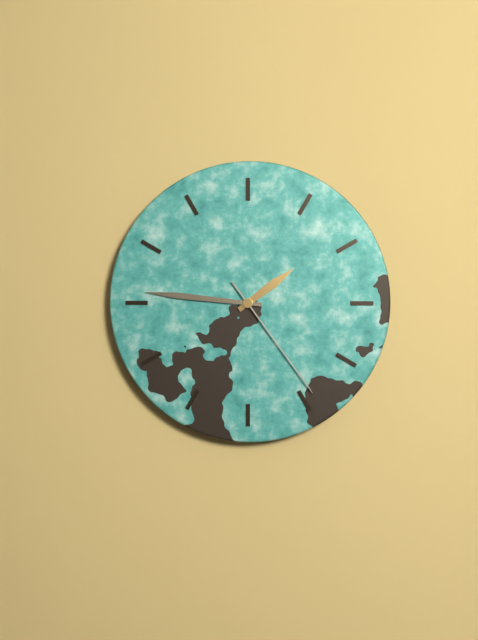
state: 1:46:24
